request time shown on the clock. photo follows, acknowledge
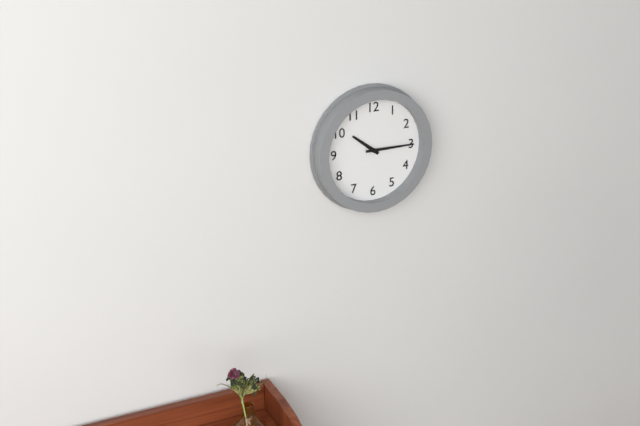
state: 10:15
